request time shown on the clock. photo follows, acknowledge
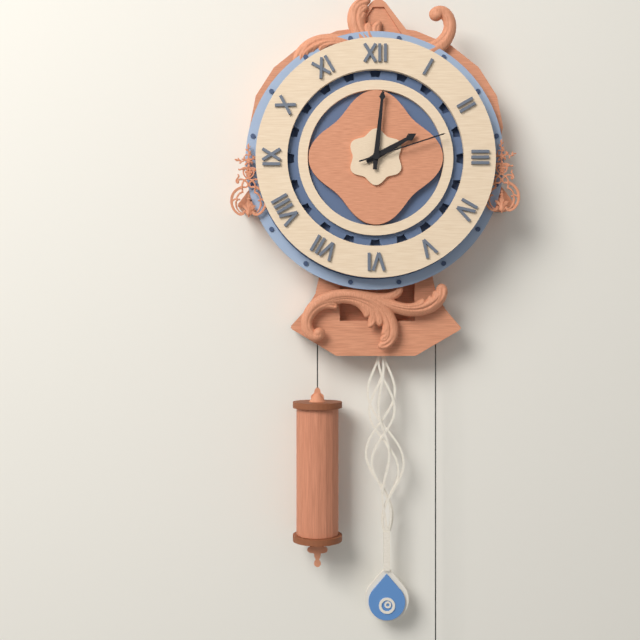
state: 2:01:12
